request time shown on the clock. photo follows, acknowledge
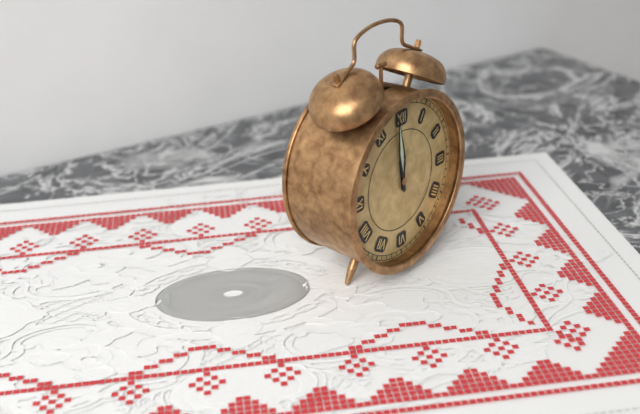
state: 11:59
